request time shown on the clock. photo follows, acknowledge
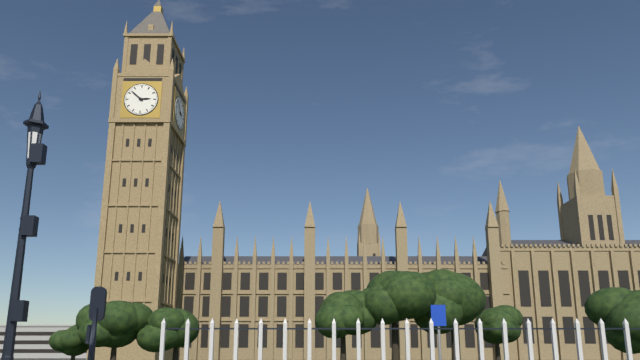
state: 2:52
